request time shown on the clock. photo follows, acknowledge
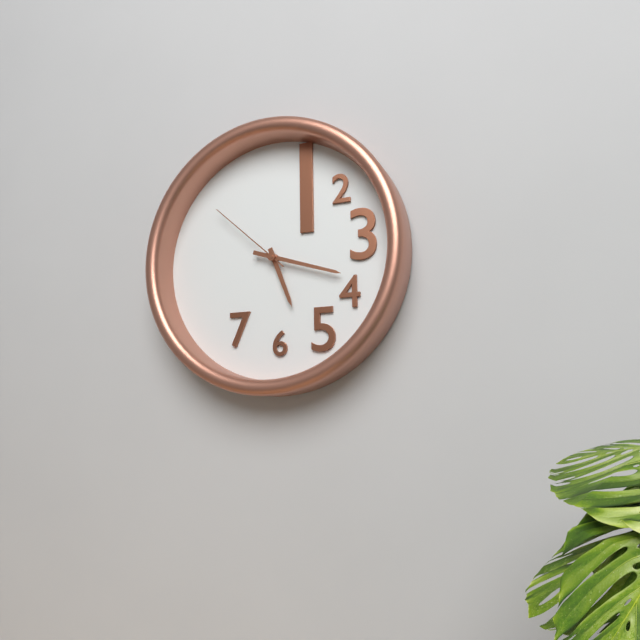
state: 5:18:52
